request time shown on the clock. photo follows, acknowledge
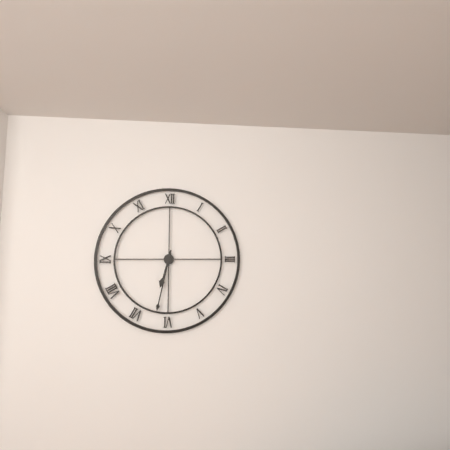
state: 6:32
